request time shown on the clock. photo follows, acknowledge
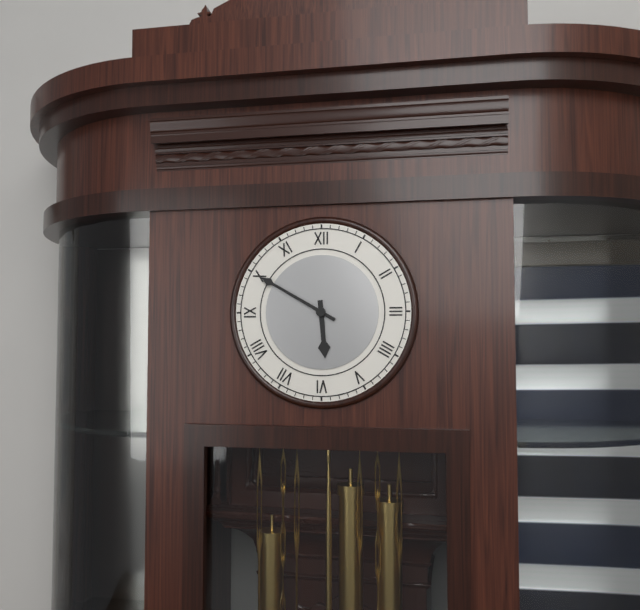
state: 5:50
